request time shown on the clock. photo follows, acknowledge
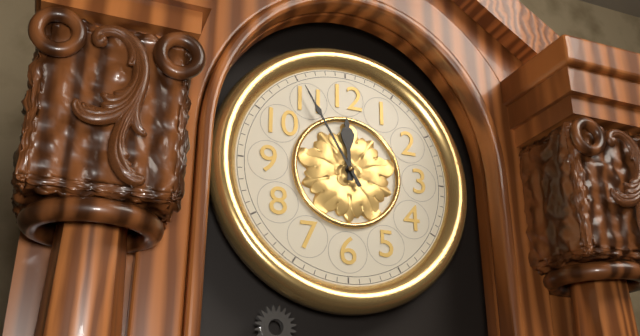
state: 11:55
